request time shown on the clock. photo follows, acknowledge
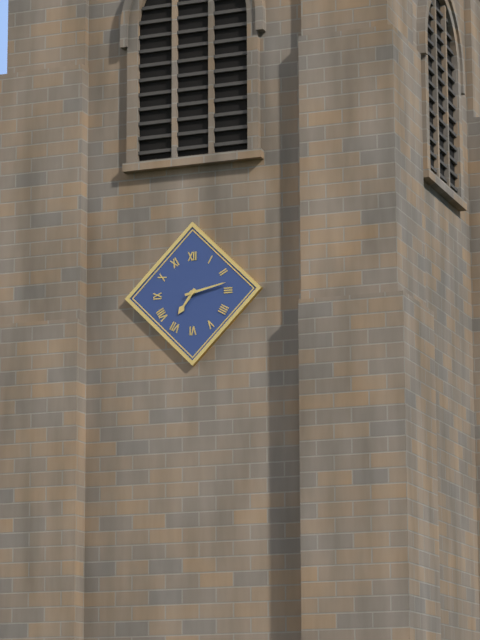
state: 7:13
